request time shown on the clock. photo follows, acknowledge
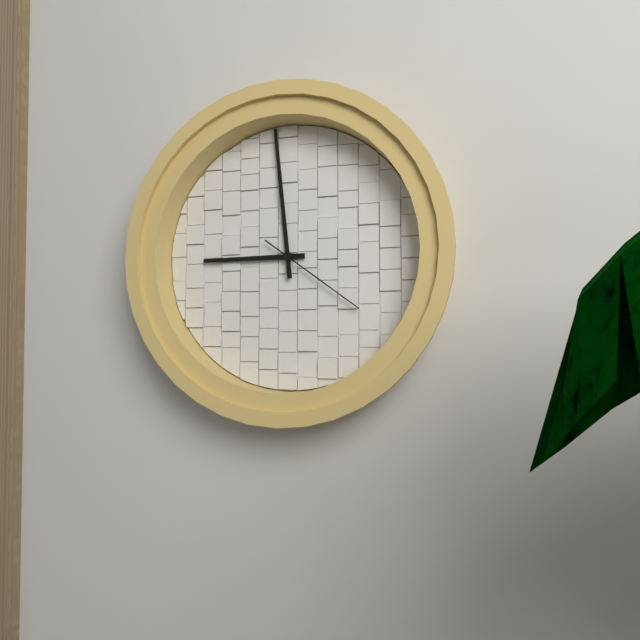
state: 8:59:21
